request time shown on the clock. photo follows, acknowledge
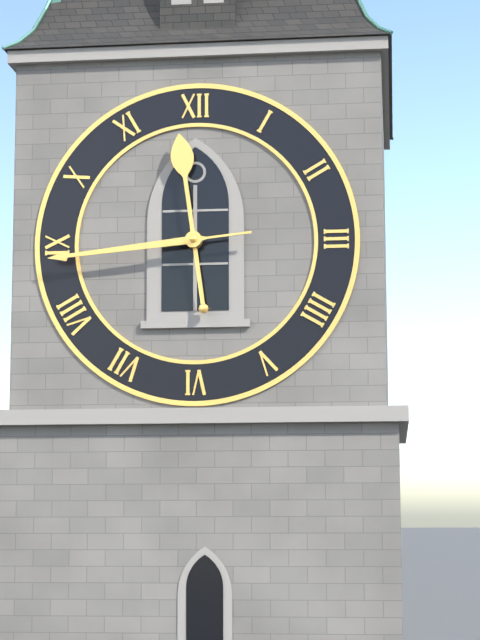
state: 11:44
